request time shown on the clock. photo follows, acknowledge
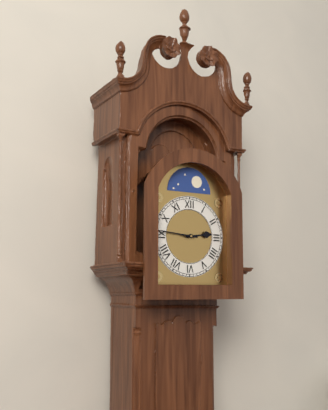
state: 2:46
